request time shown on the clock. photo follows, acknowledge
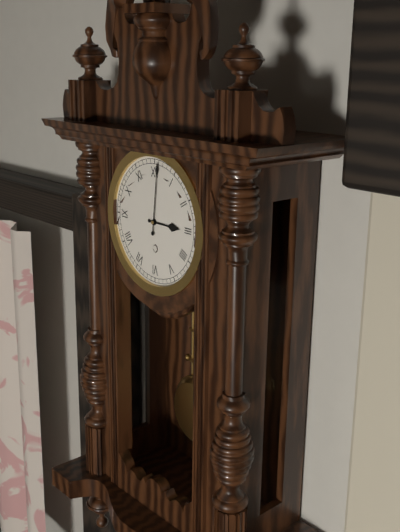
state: 3:01
